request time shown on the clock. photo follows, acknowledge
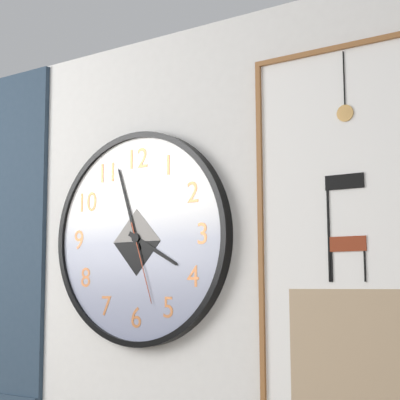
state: 3:57:27
